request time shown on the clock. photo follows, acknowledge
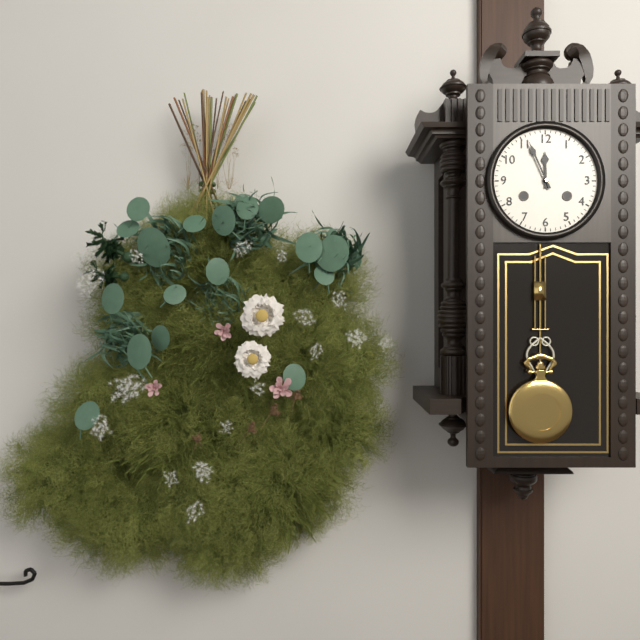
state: 11:56
